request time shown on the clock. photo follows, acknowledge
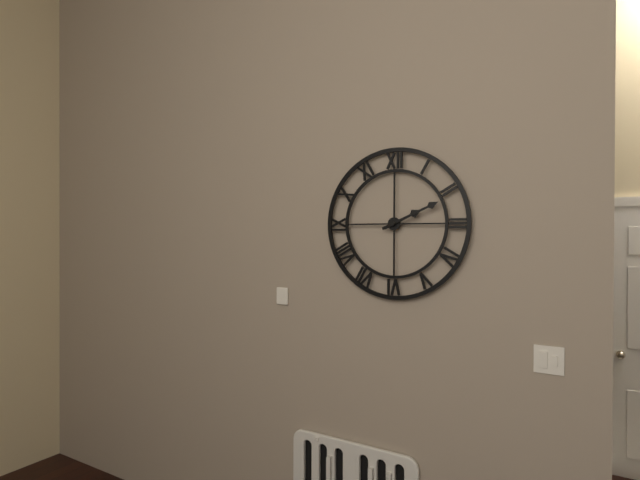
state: 2:11
